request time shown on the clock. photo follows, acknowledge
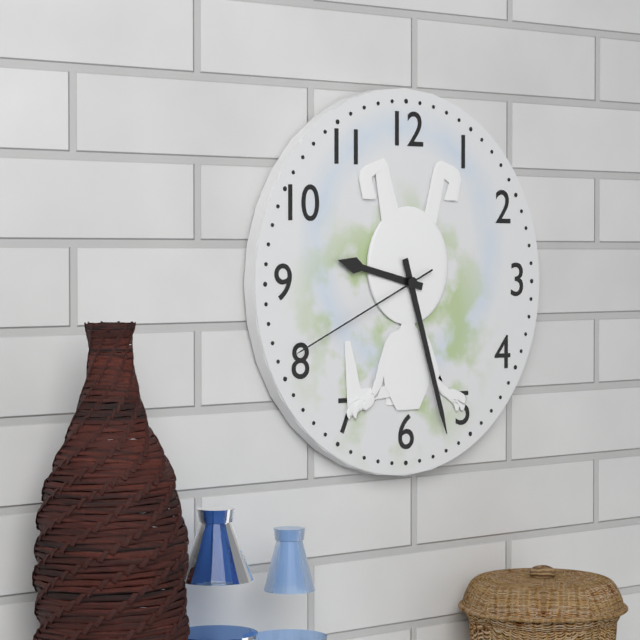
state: 9:27:41
